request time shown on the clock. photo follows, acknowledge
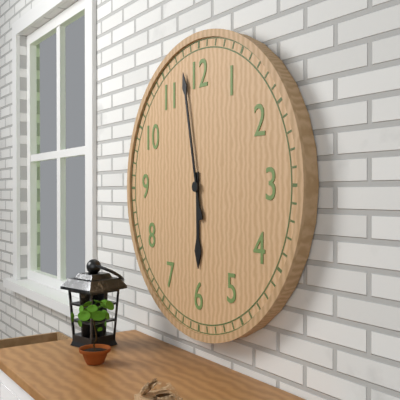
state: 5:58
